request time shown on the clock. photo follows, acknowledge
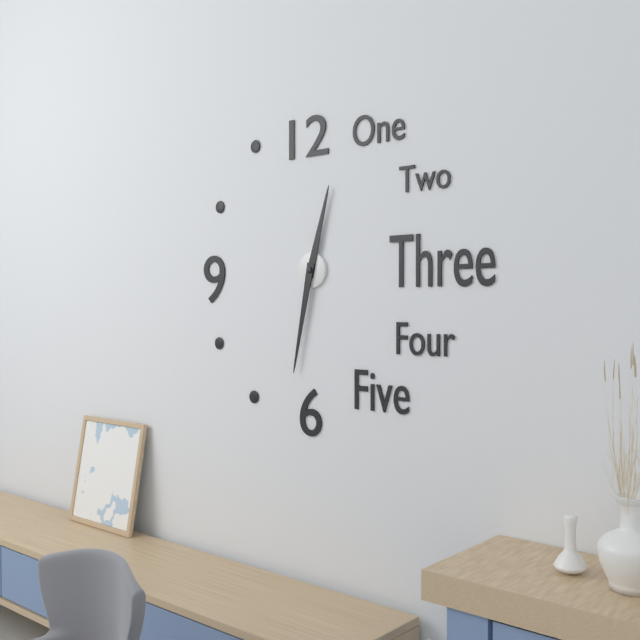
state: 12:32
